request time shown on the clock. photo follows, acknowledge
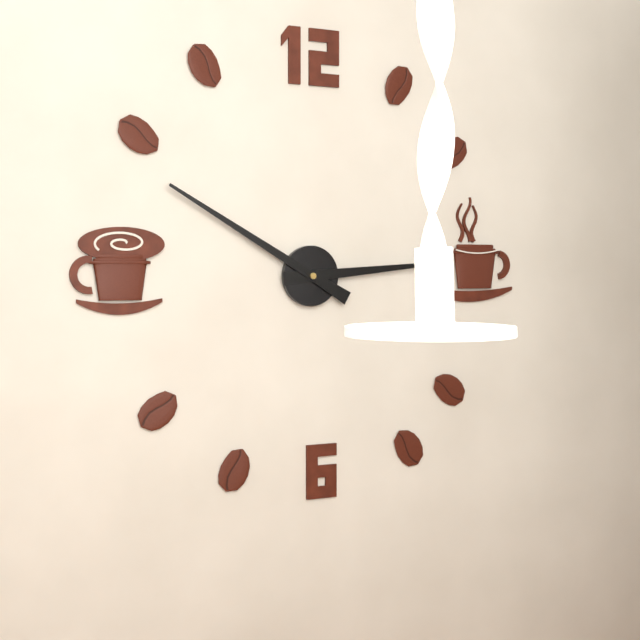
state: 2:50
